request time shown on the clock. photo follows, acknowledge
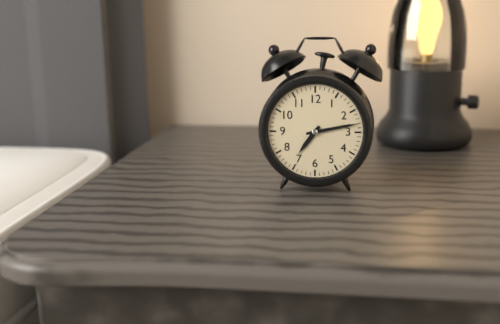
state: 7:13
